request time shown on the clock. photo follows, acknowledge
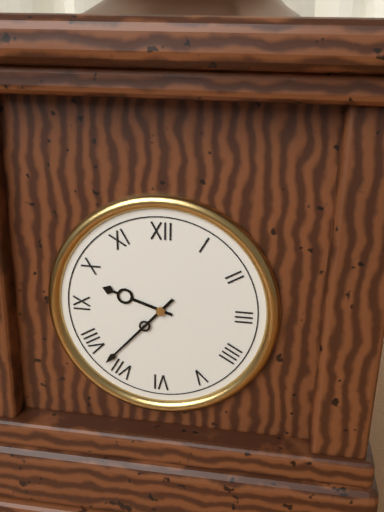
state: 9:37
